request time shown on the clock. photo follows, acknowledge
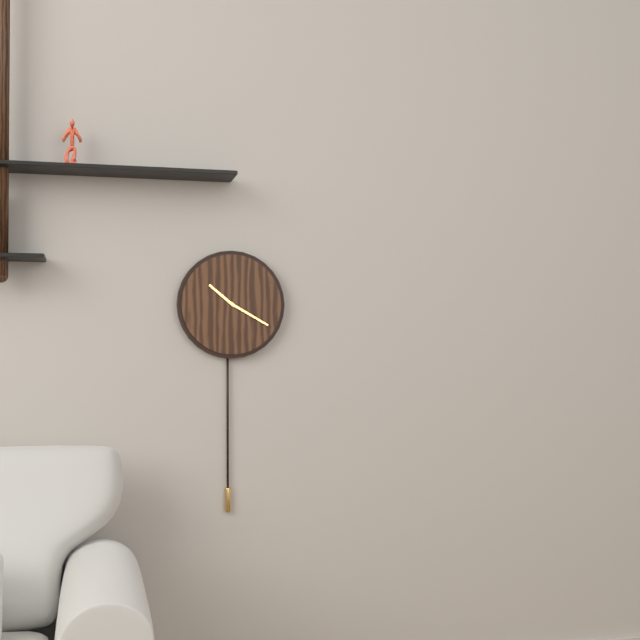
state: 10:20
